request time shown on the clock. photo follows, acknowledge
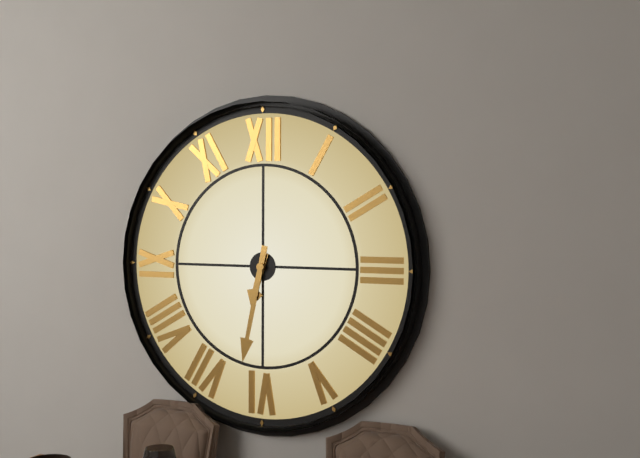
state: 6:32
